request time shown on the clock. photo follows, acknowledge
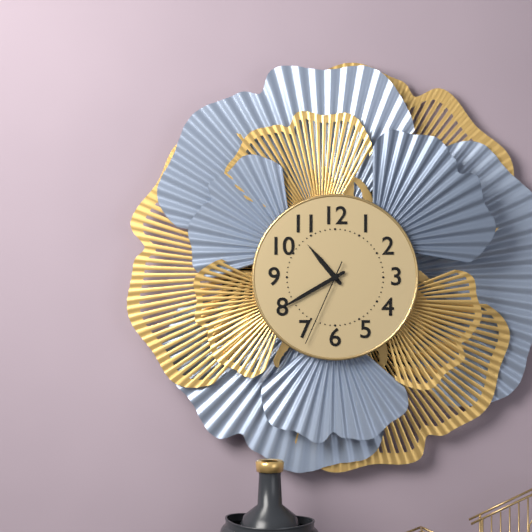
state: 10:40:34
